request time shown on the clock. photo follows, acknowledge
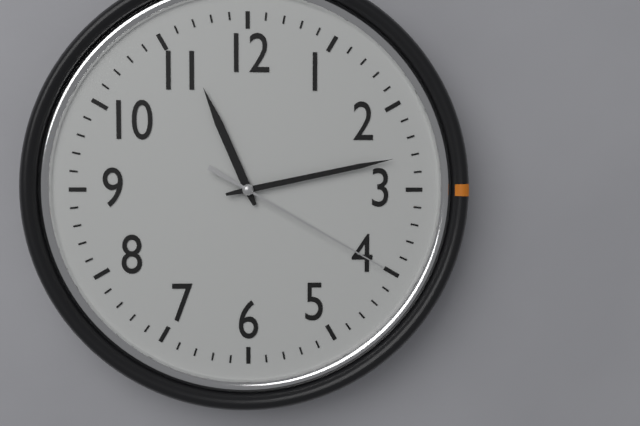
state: 11:13:20
